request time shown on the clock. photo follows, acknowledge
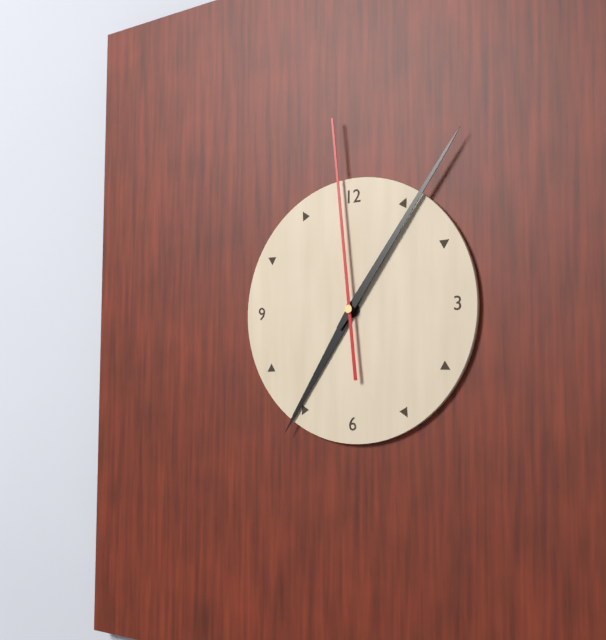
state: 7:06:59
